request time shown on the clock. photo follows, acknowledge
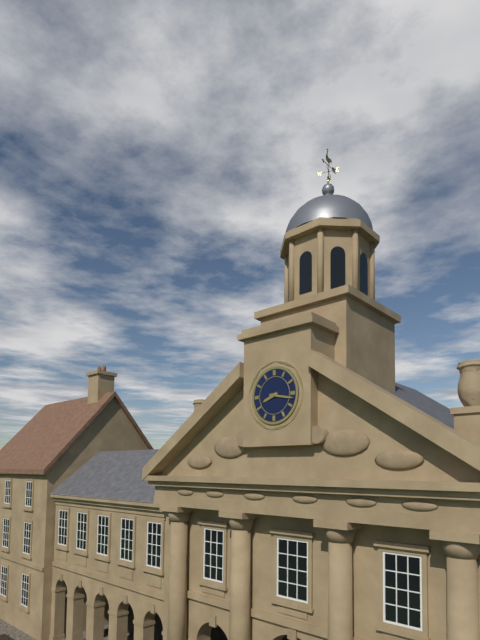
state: 8:17
